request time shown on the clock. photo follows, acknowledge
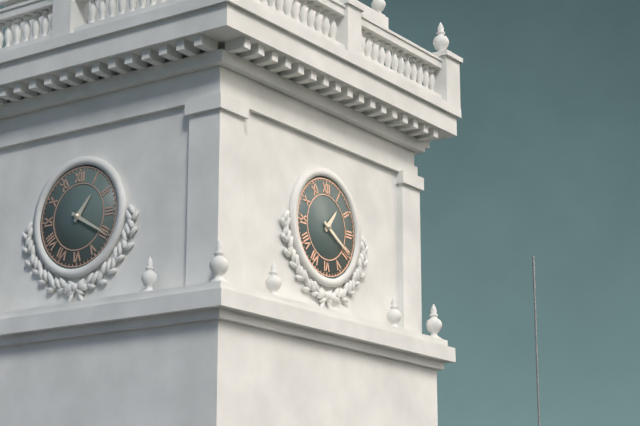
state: 1:20
